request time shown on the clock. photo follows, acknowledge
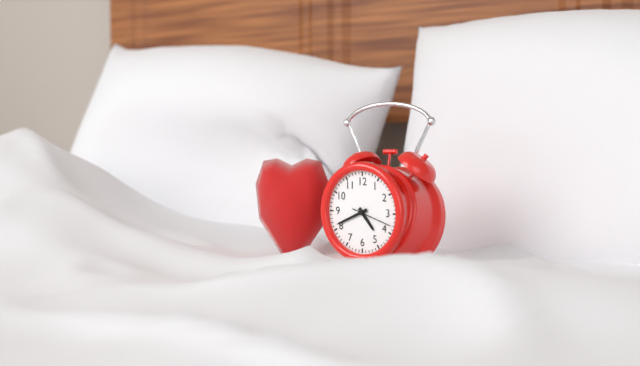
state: 4:41
